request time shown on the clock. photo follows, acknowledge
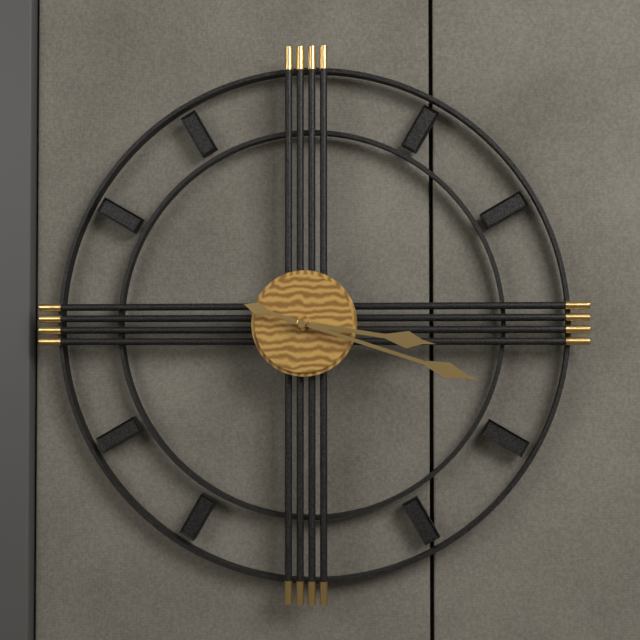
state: 3:18
